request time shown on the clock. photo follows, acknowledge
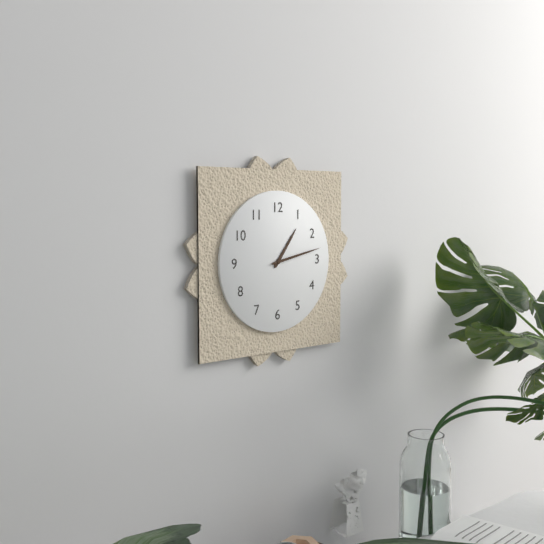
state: 1:13
